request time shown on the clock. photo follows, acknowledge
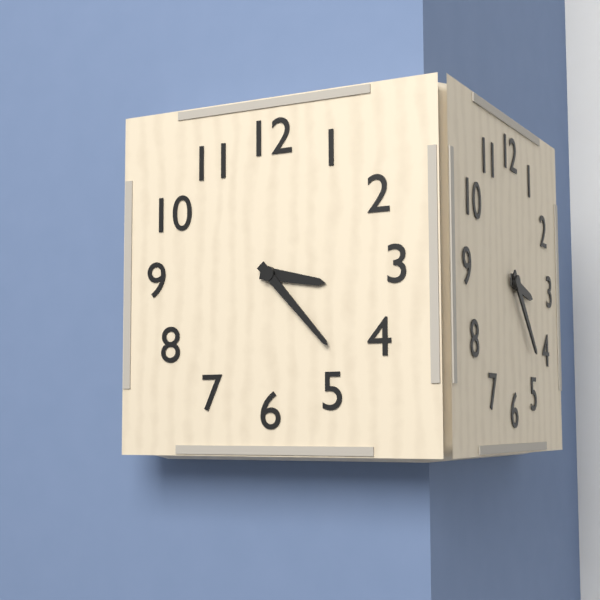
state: 3:23
